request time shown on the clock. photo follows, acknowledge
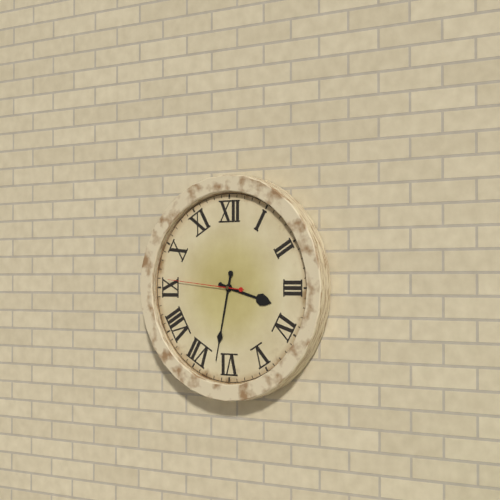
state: 3:32:46
